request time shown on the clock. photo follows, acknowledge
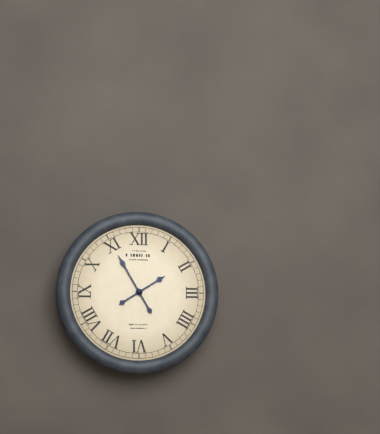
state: 1:55
